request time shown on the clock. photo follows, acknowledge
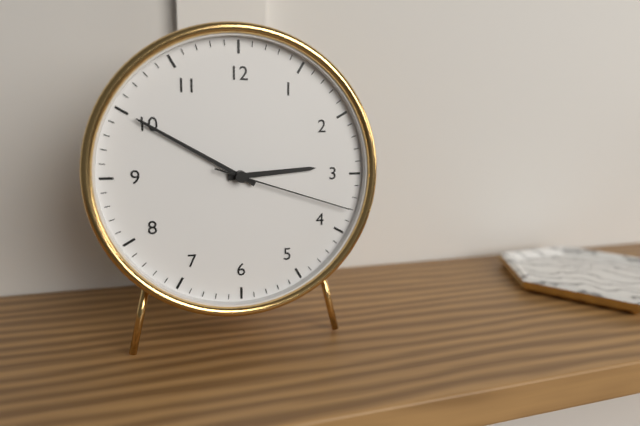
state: 2:50:18
